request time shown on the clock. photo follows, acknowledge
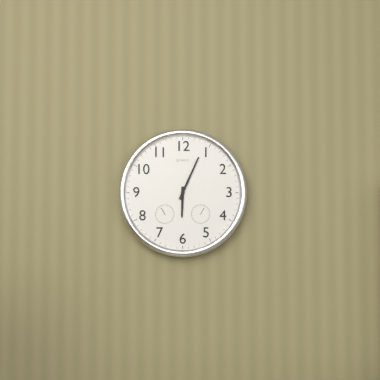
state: 6:04
